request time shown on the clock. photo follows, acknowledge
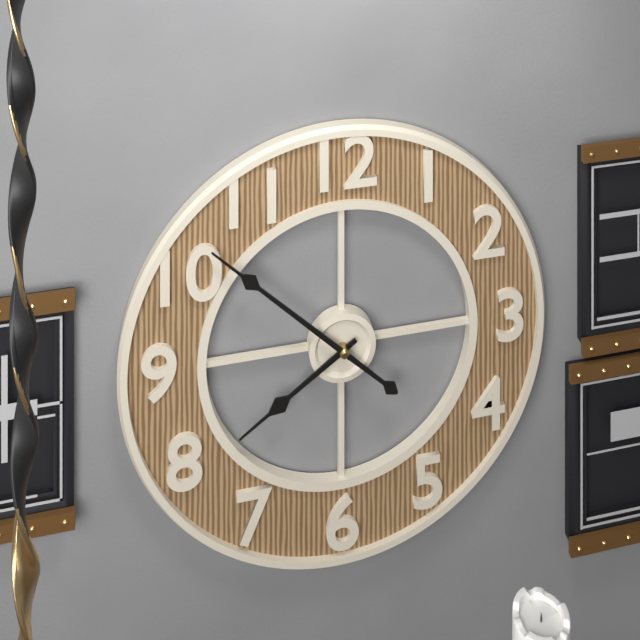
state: 7:52
